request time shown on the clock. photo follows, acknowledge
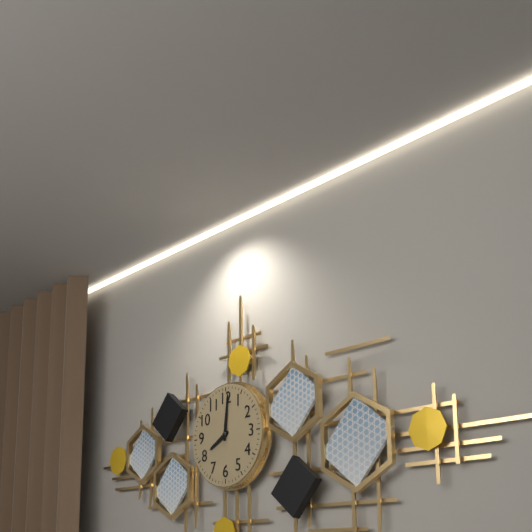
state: 8:01
